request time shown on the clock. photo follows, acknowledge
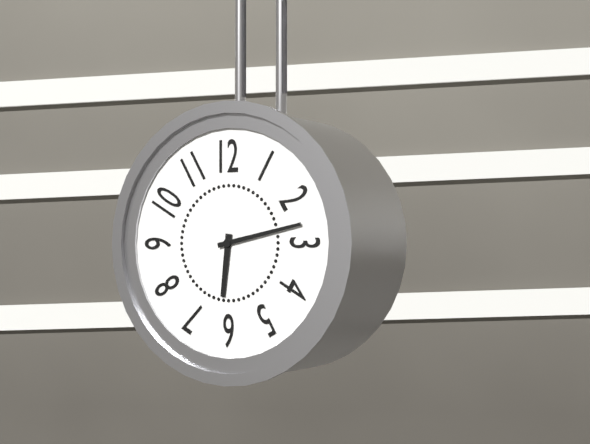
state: 6:13
